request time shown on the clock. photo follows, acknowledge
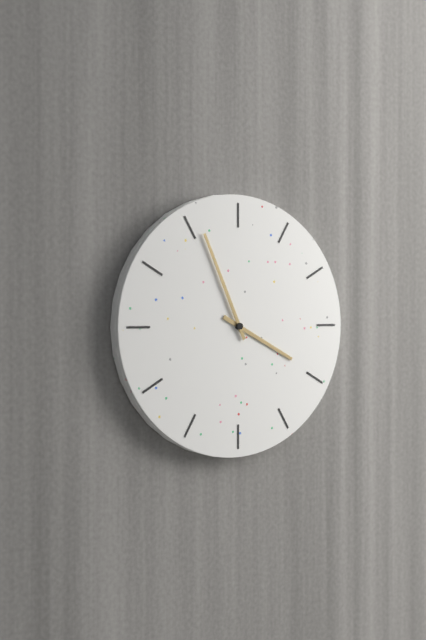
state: 3:56
